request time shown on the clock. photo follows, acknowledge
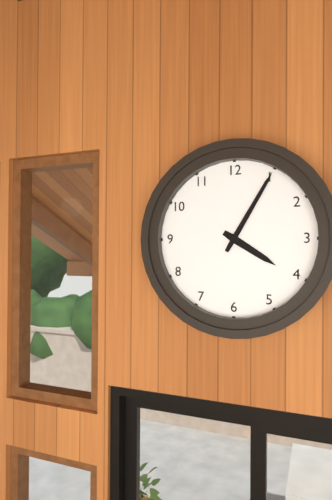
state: 4:05
